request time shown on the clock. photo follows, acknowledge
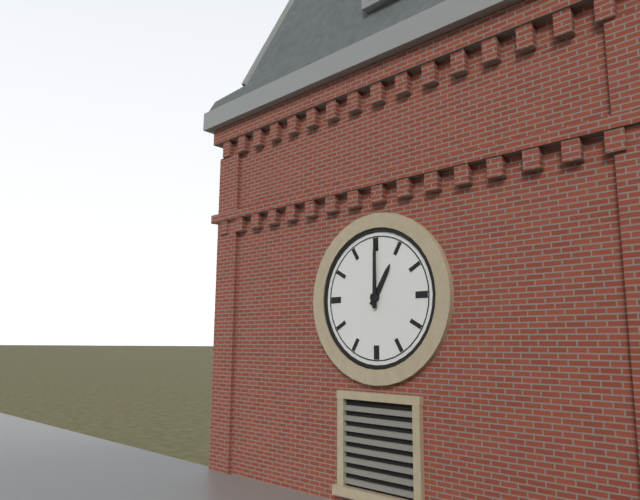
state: 1:00
